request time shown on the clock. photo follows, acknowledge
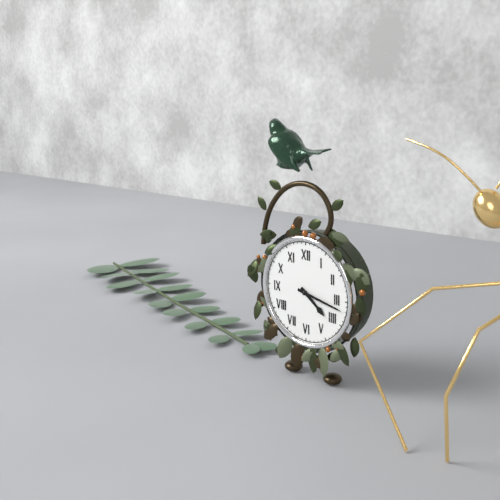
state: 4:17
